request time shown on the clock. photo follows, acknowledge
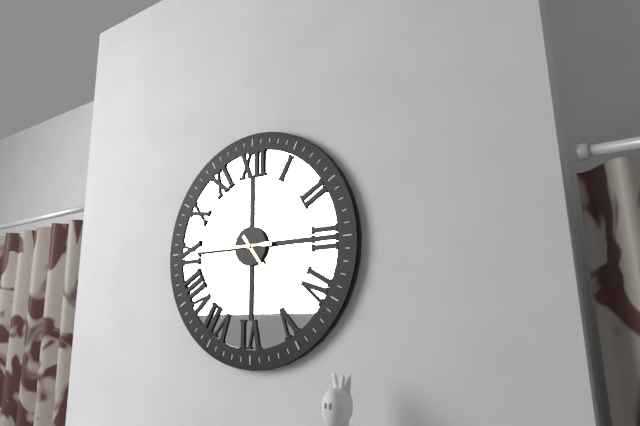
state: 4:45
